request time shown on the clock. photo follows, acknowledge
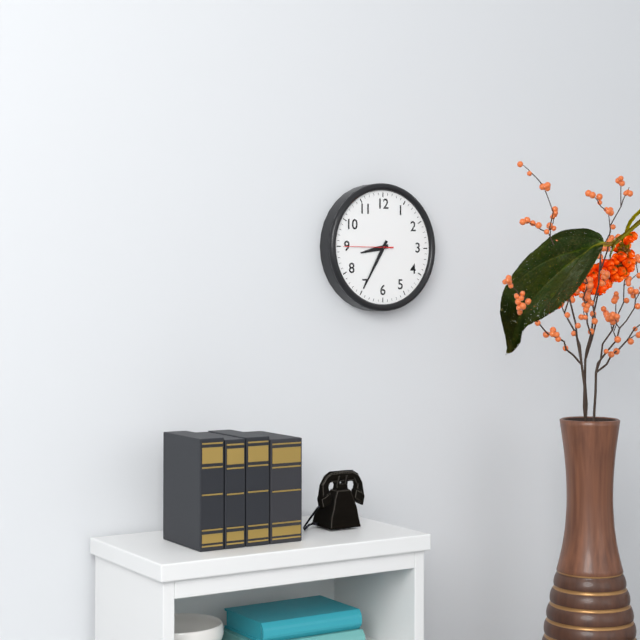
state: 8:35:45
